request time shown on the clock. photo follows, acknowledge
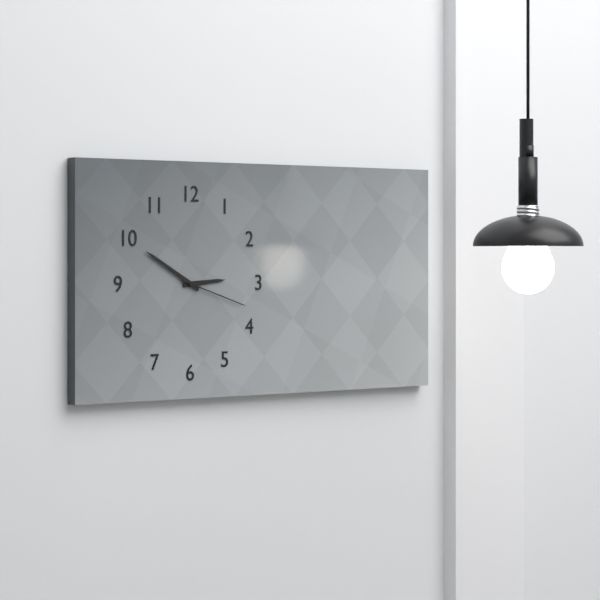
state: 2:50:18
